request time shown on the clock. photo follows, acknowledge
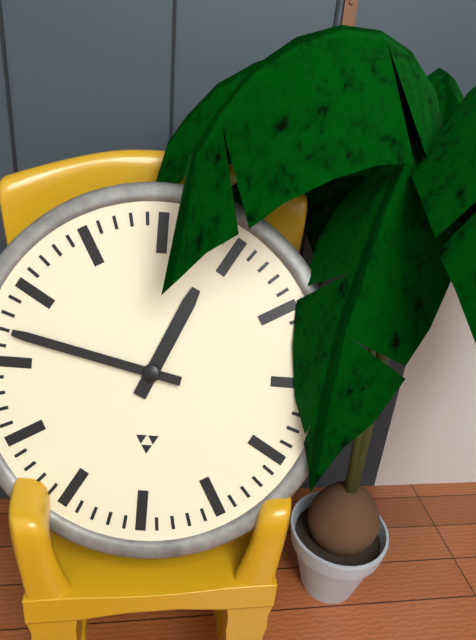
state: 12:47
